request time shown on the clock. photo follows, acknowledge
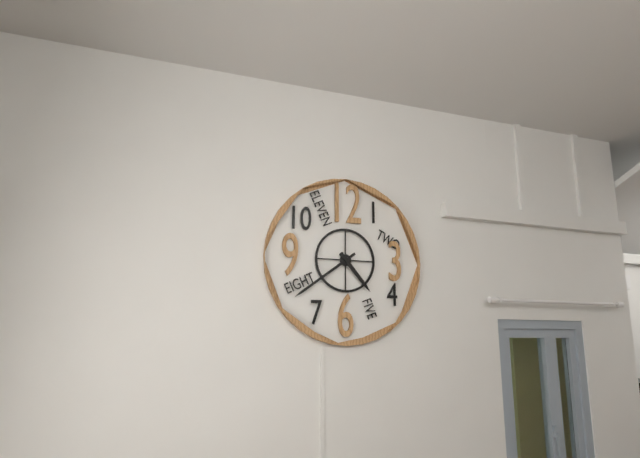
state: 4:39
